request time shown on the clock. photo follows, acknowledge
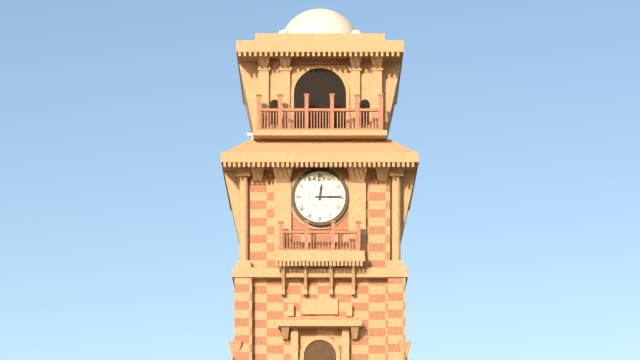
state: 12:15
